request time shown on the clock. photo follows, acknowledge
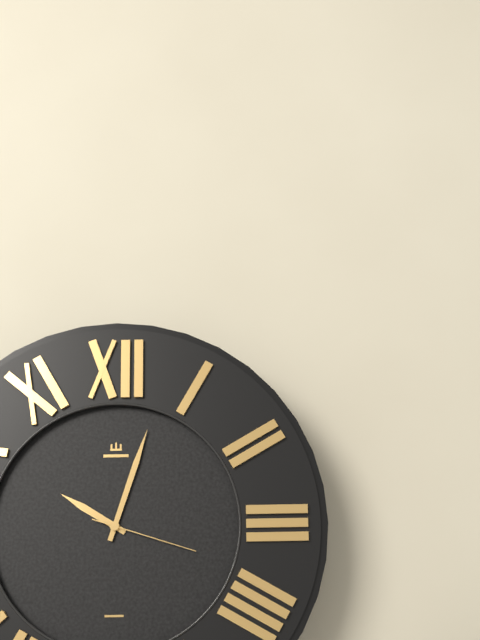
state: 10:03:18
